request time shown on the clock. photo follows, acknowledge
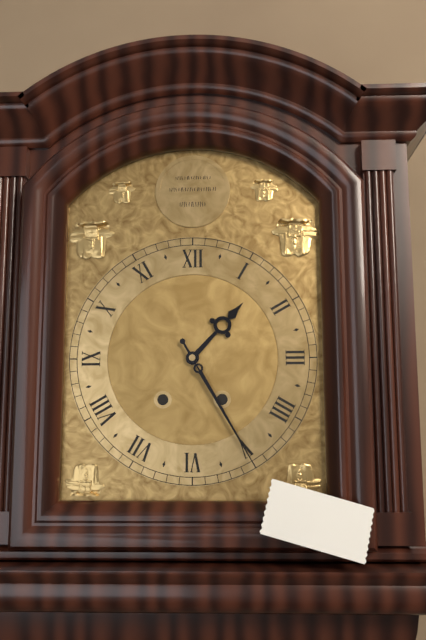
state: 1:25
